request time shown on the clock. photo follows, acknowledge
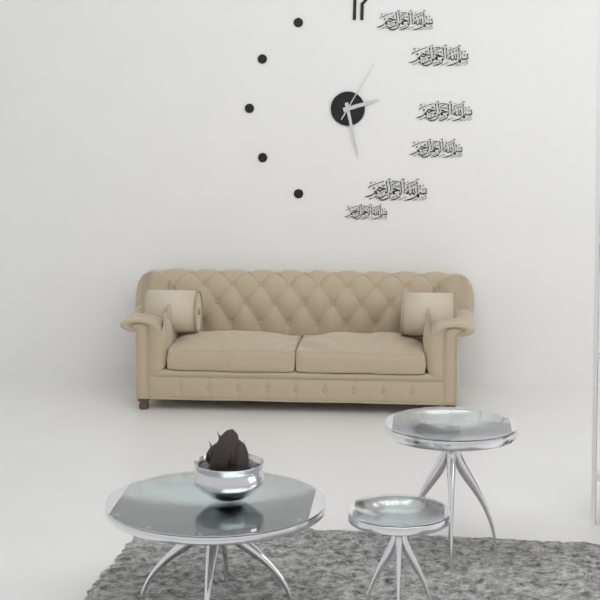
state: 2:28:05
